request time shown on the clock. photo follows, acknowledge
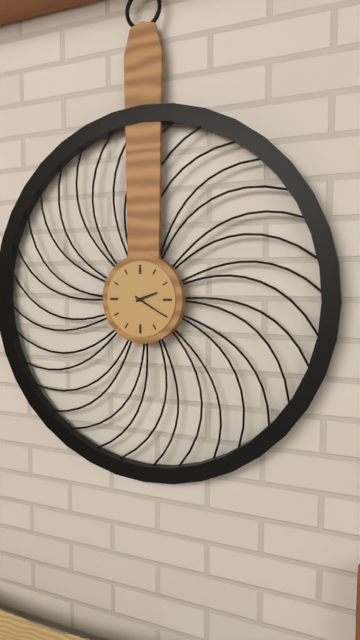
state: 2:20
